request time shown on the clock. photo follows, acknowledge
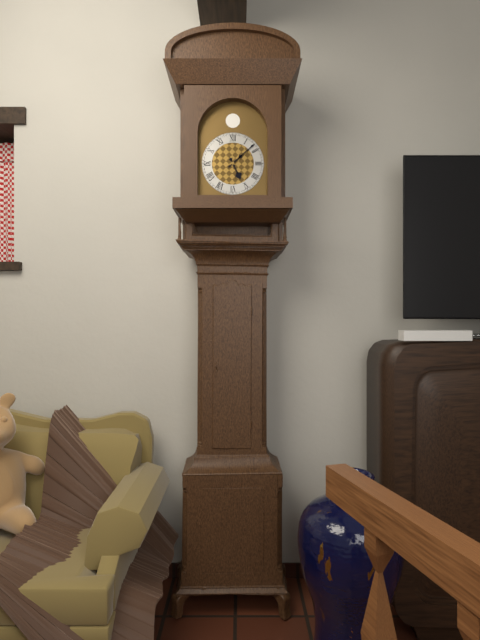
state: 5:08
